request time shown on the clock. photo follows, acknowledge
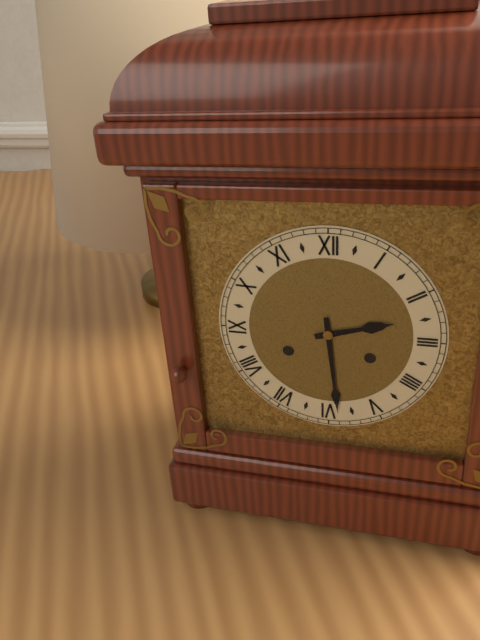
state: 2:29
